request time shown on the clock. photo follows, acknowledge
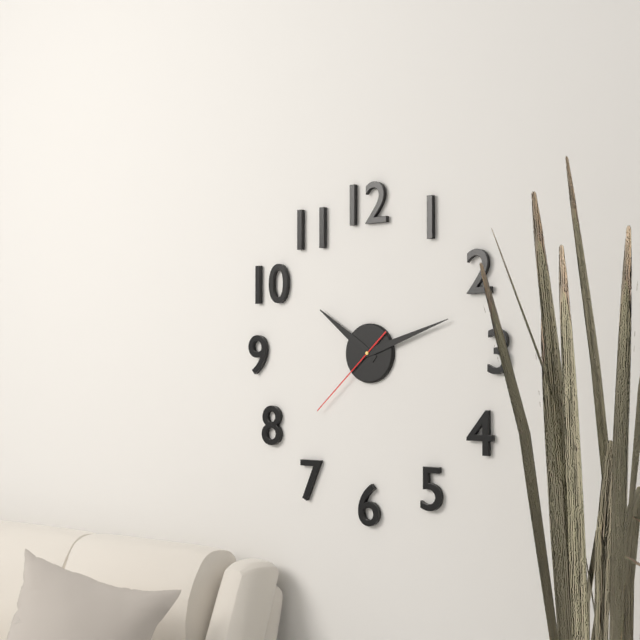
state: 10:12:38
